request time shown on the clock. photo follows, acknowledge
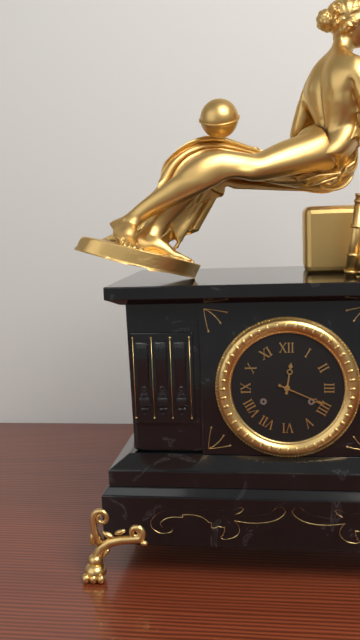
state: 12:19
